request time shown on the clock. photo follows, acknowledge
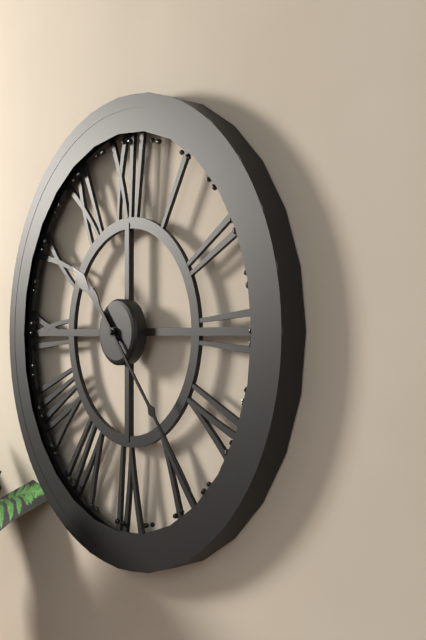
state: 10:23
